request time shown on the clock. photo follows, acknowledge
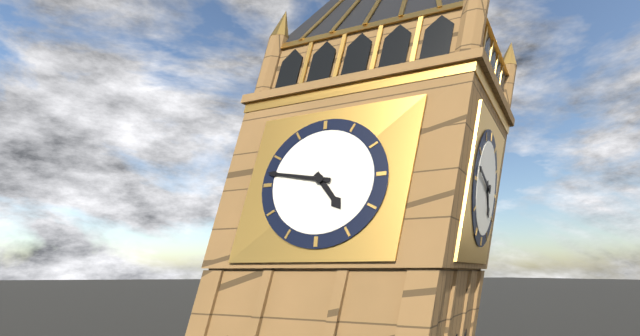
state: 4:47
